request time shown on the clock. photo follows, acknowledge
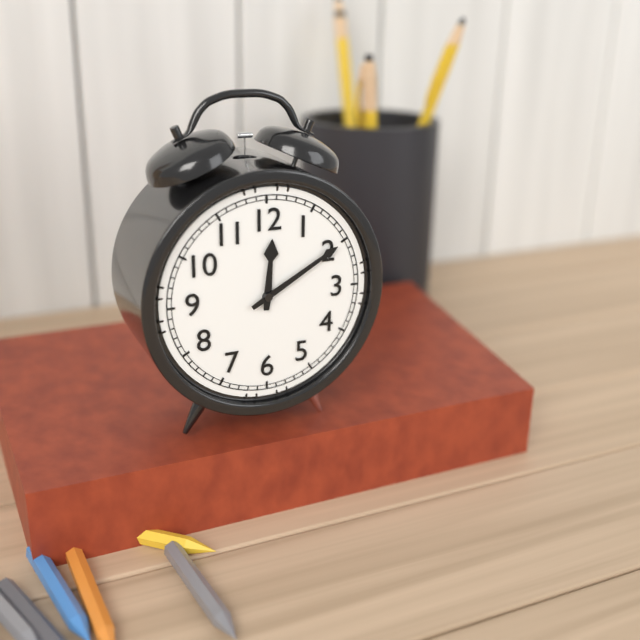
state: 12:10
